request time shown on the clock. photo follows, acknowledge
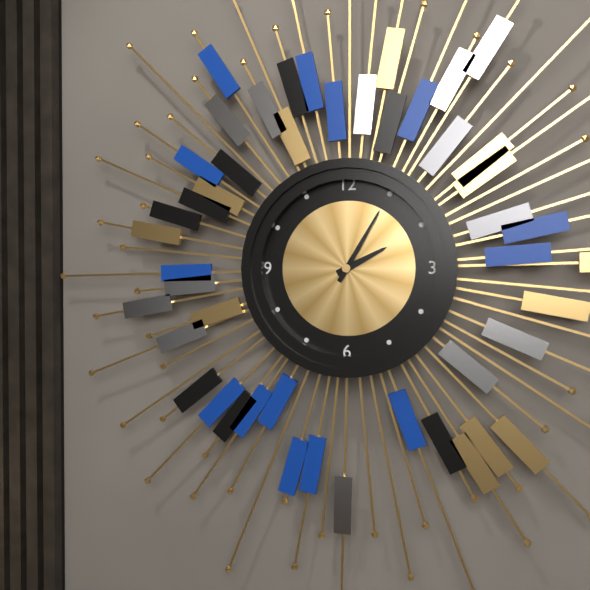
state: 2:05
